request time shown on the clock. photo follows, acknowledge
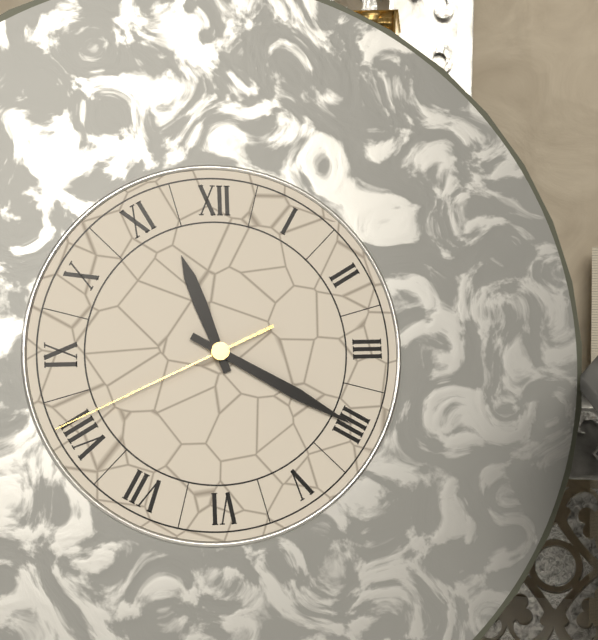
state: 11:20:41
